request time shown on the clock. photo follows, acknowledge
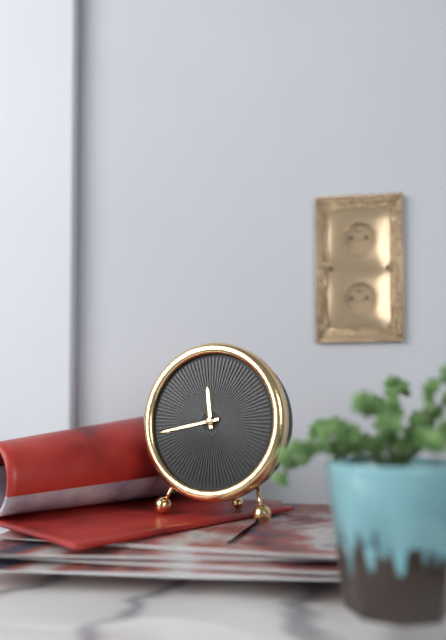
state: 11:43
